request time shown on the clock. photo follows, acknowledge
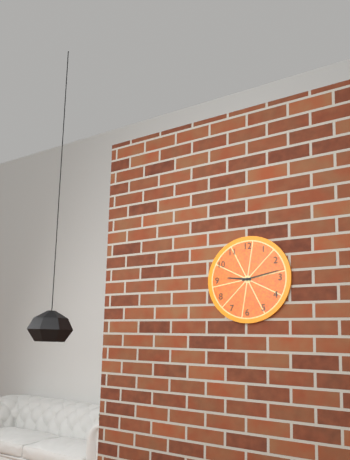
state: 9:13
